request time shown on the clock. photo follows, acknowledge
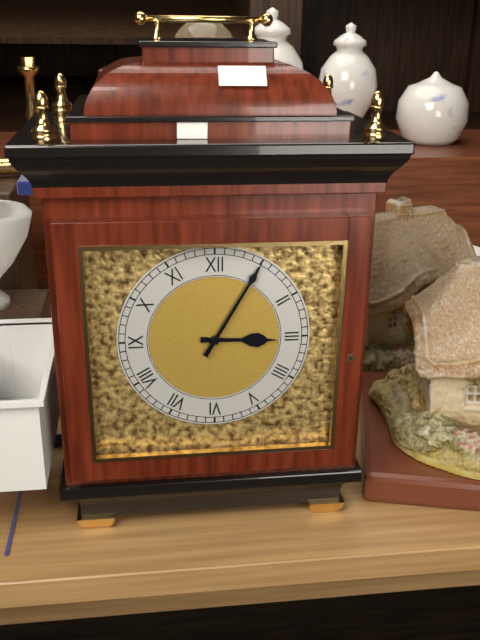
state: 3:05
